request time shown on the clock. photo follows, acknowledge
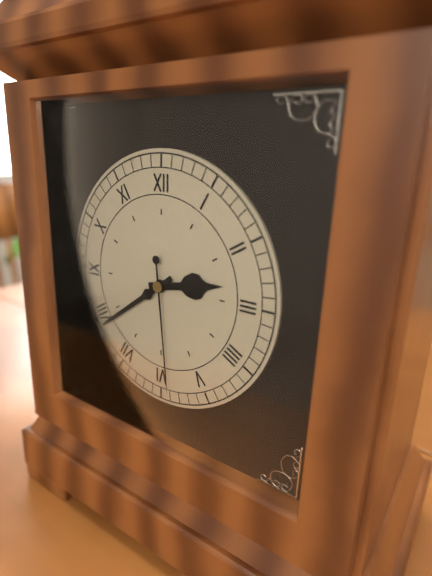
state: 2:39:29
